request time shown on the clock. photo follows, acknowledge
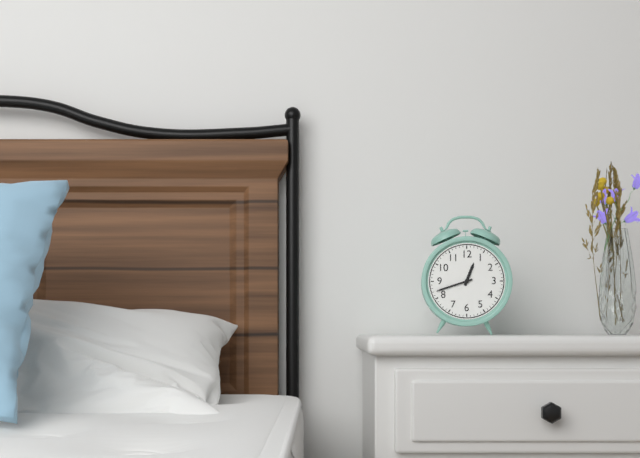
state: 12:42
